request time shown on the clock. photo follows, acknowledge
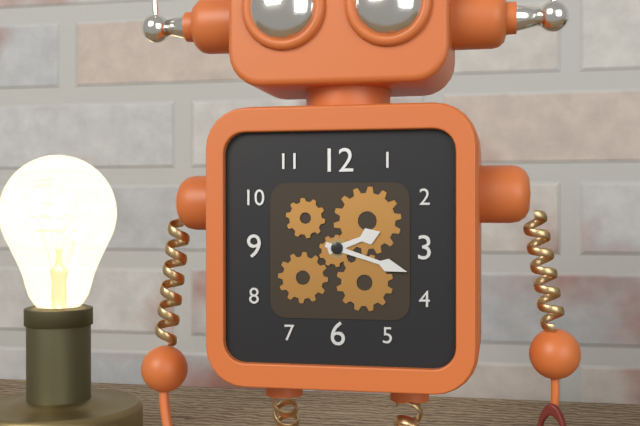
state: 2:18
